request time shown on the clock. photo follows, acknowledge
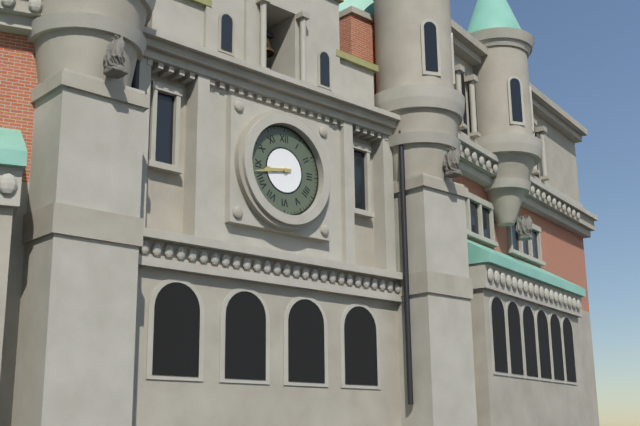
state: 8:43
